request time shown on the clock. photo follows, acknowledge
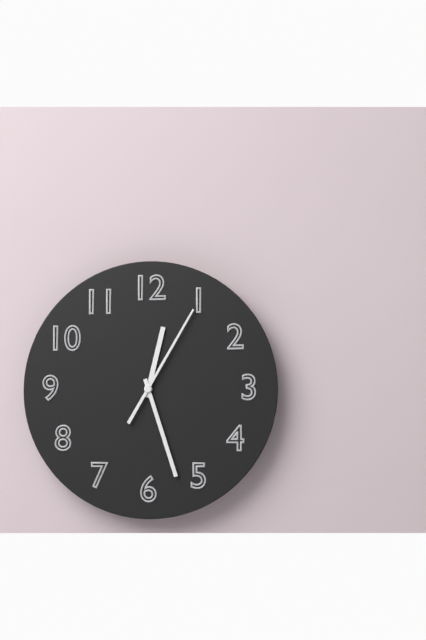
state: 12:27:05
